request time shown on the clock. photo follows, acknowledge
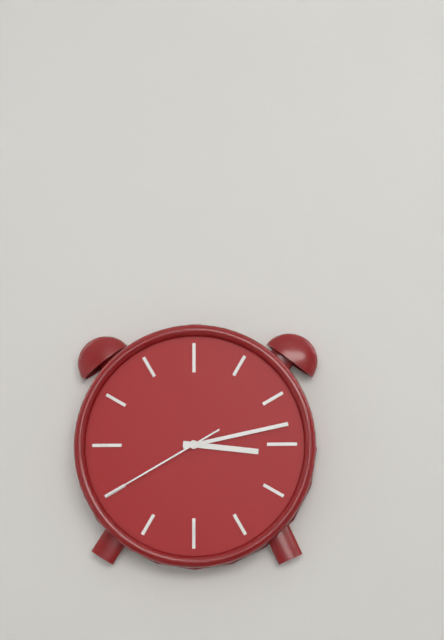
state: 3:13:40
